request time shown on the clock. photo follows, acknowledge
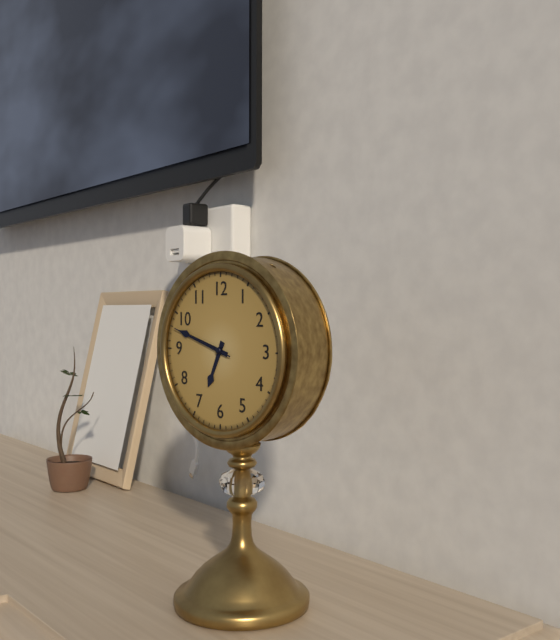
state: 6:48:48
